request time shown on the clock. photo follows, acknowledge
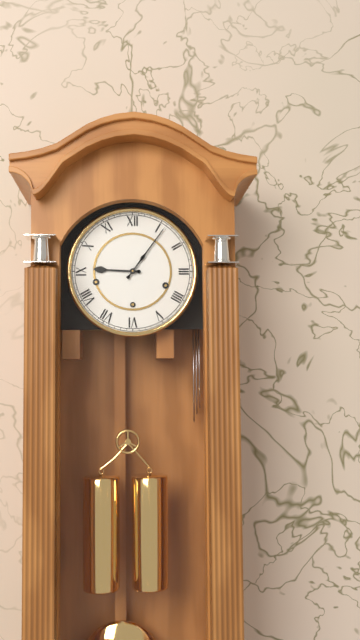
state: 9:06
